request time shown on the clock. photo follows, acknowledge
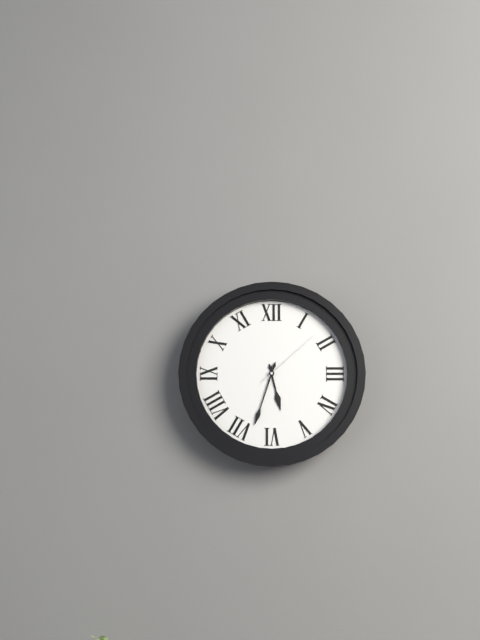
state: 5:33:08
